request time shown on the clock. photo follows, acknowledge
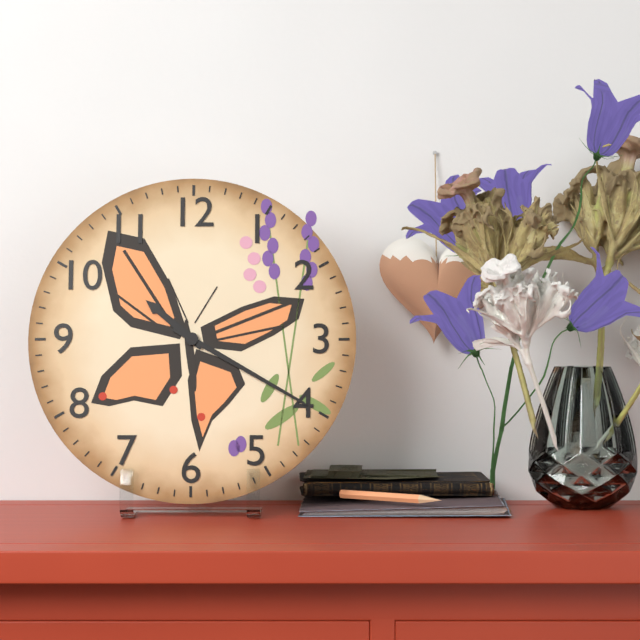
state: 10:20
